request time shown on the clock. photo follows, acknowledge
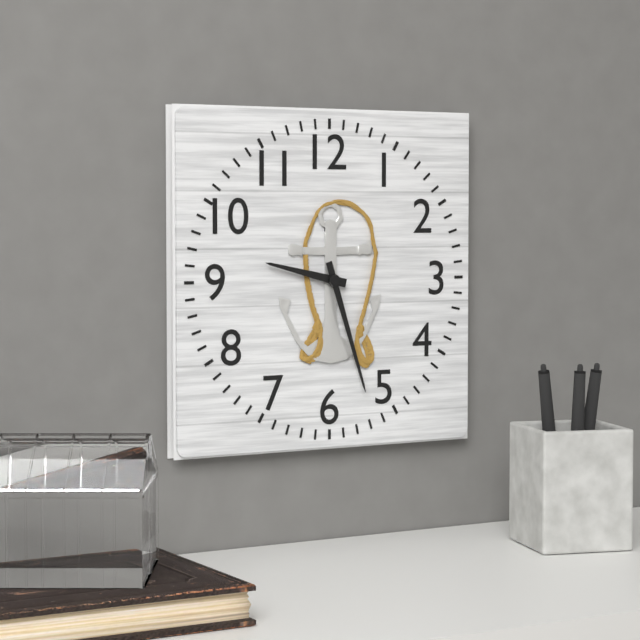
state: 9:27
